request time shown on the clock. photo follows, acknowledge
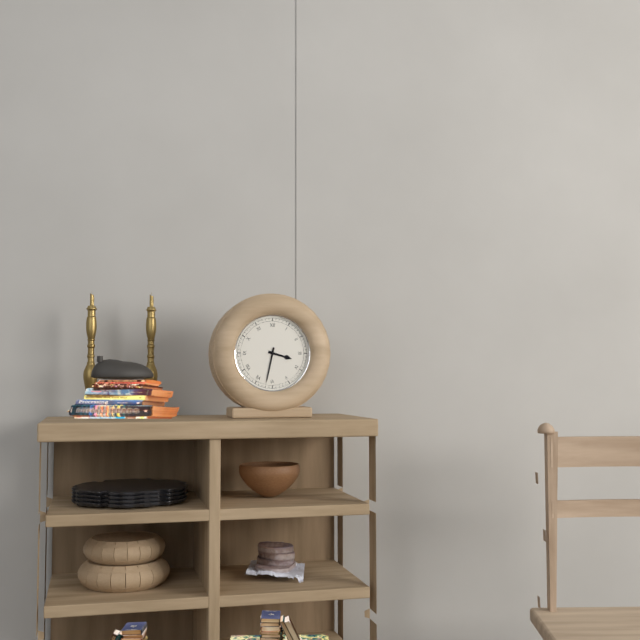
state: 3:32
